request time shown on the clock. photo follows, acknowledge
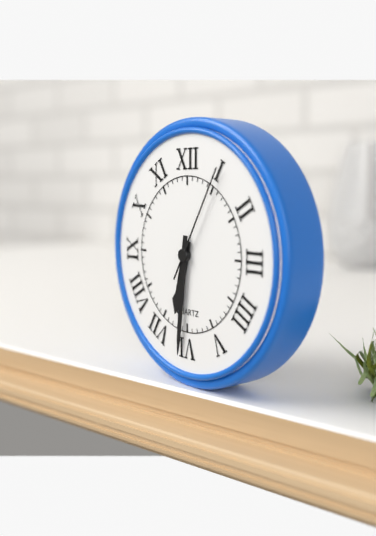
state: 6:31:05
